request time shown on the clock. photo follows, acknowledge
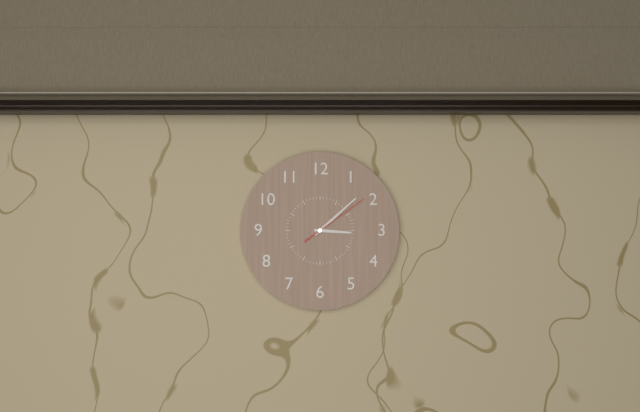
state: 3:08:09
